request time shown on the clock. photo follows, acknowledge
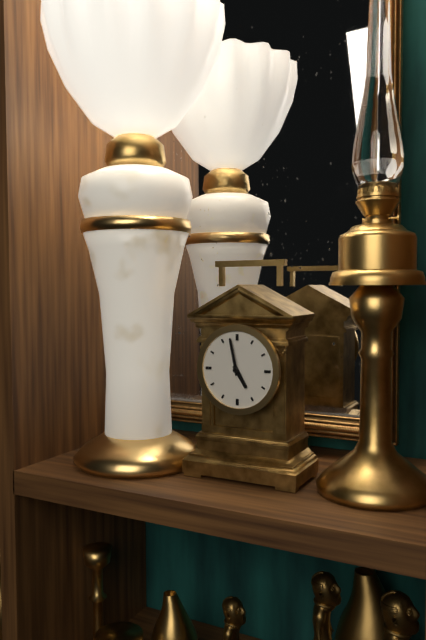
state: 4:58
